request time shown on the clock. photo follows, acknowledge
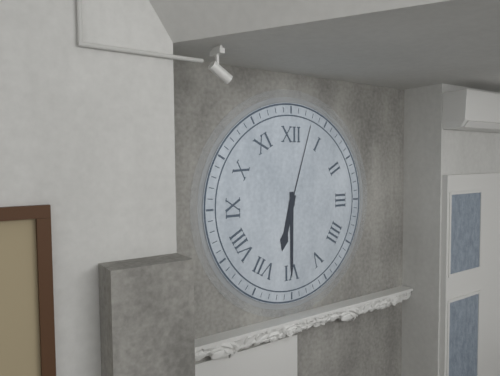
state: 6:30:03
